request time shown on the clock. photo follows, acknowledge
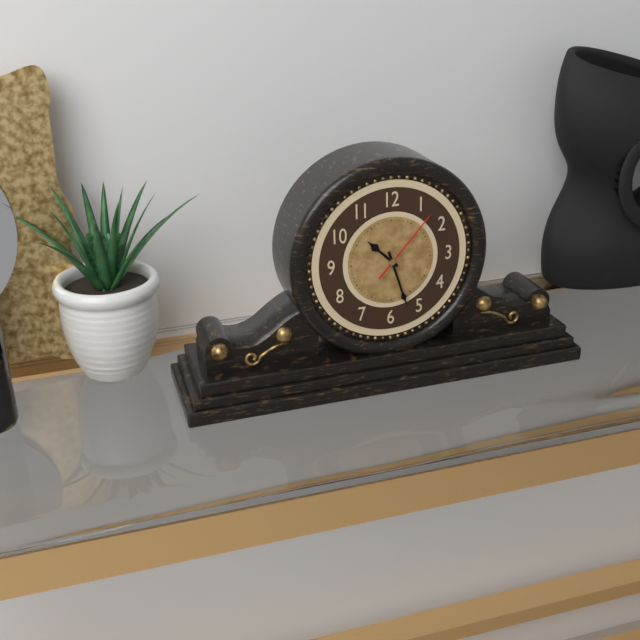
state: 10:27:07
